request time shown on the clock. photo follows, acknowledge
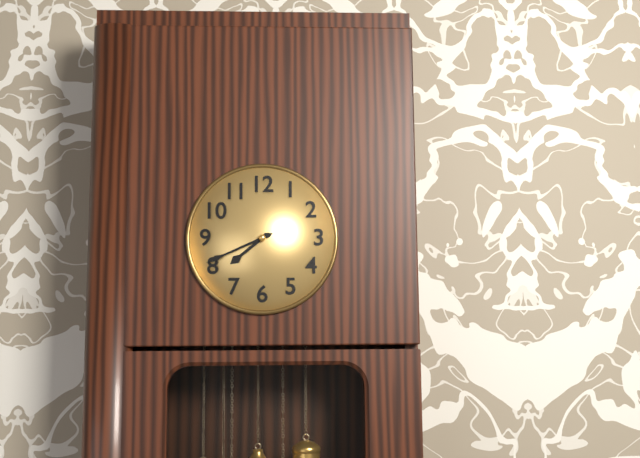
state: 7:41
